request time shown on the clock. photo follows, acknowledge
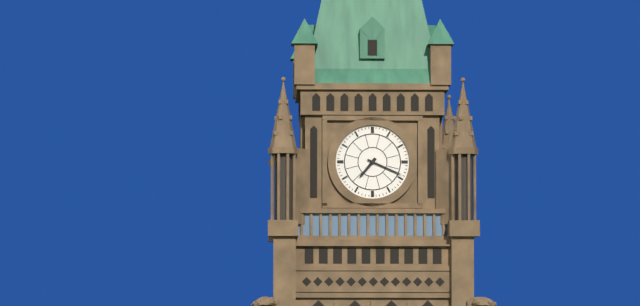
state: 7:19
